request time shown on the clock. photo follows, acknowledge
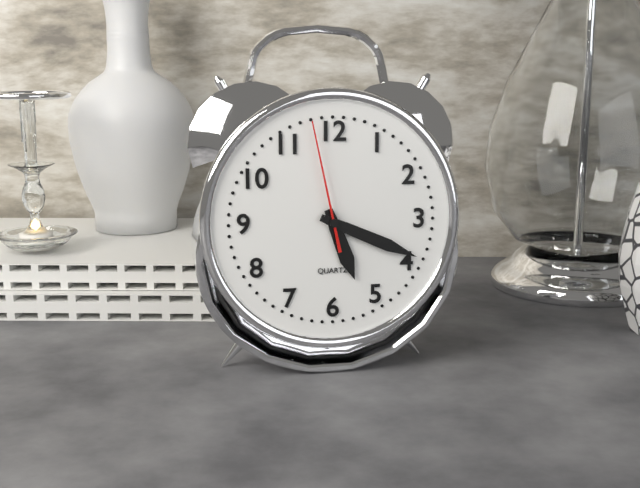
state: 5:19:58
